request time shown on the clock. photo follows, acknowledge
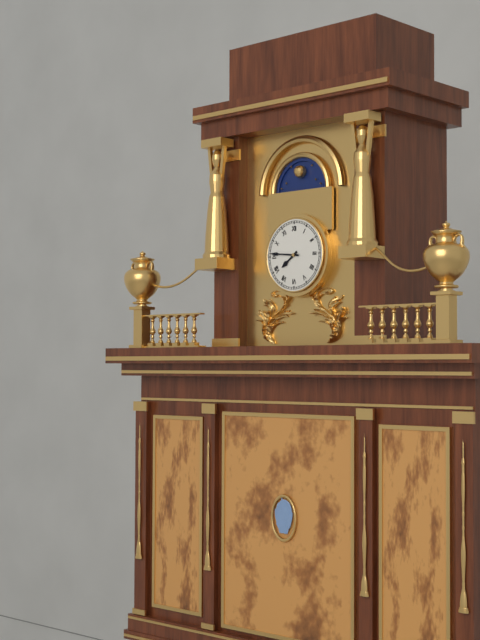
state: 7:46
